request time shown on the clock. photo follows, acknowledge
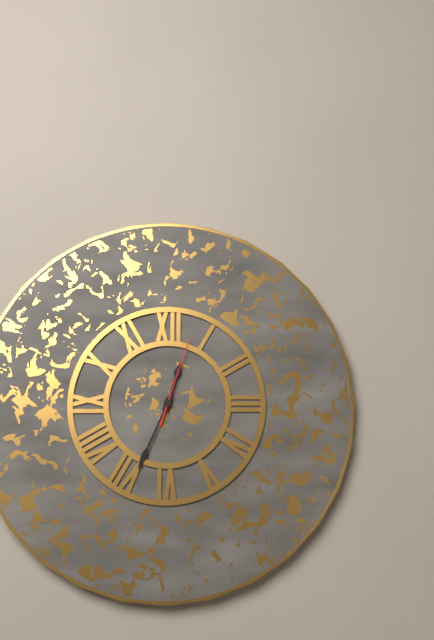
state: 12:34:03
